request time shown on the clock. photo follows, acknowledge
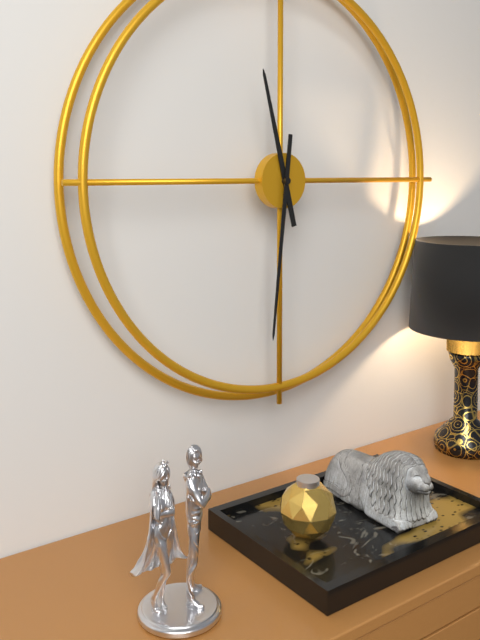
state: 11:31
